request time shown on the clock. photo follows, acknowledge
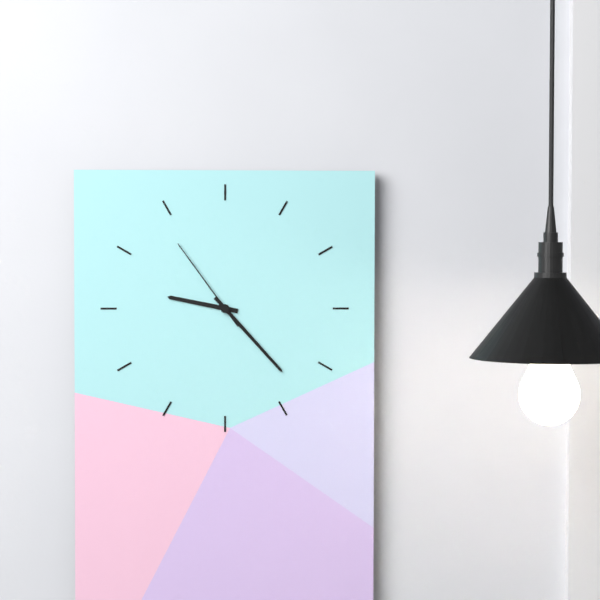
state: 9:23:54
